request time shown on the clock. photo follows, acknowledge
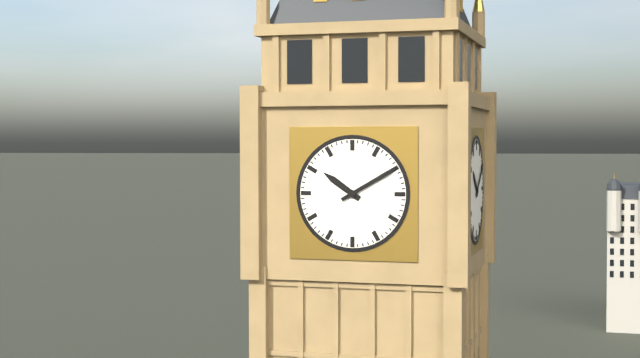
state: 10:10
